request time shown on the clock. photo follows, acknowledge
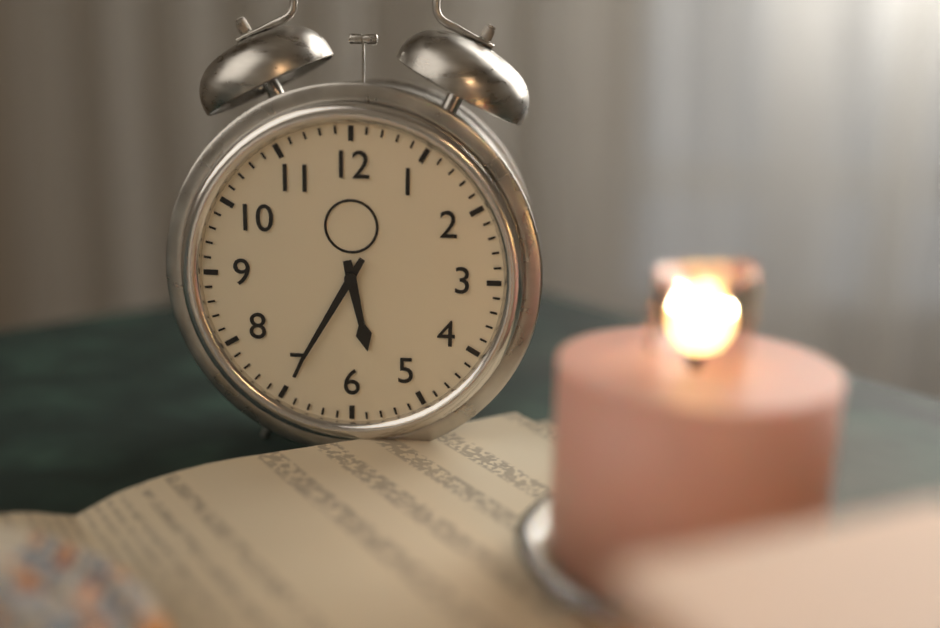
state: 5:35
